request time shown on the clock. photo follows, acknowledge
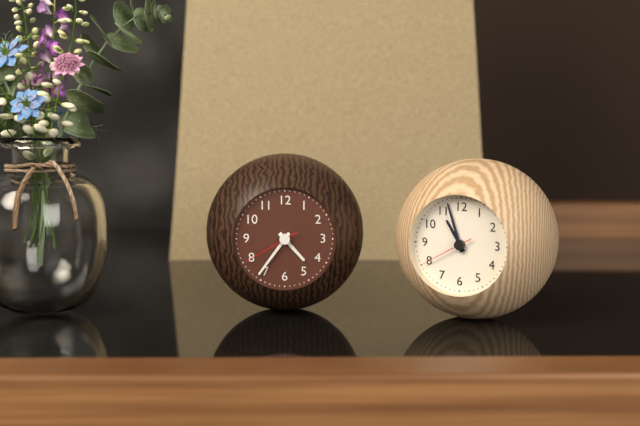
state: 4:36:40
